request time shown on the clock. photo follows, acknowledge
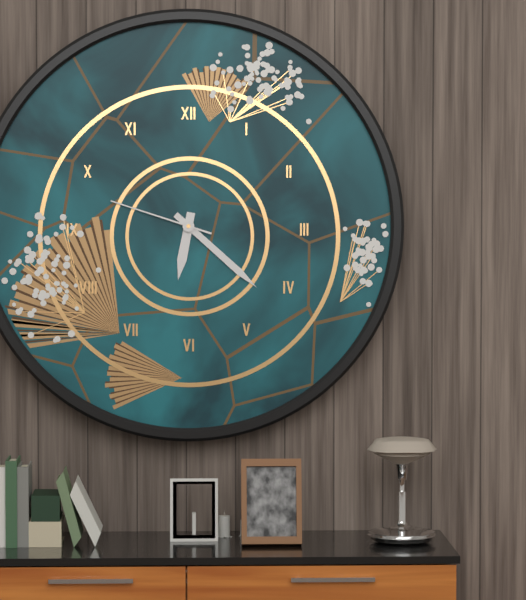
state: 6:22:48
